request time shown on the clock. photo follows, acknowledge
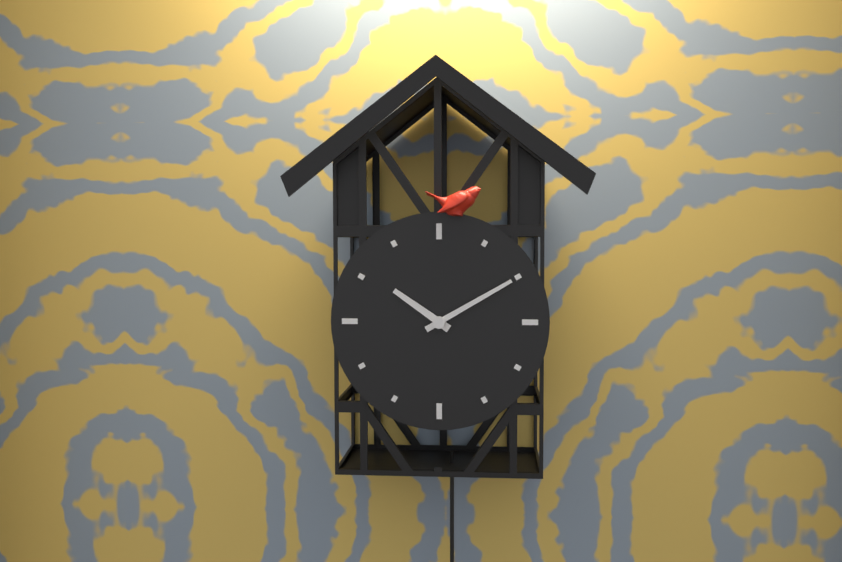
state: 10:10
